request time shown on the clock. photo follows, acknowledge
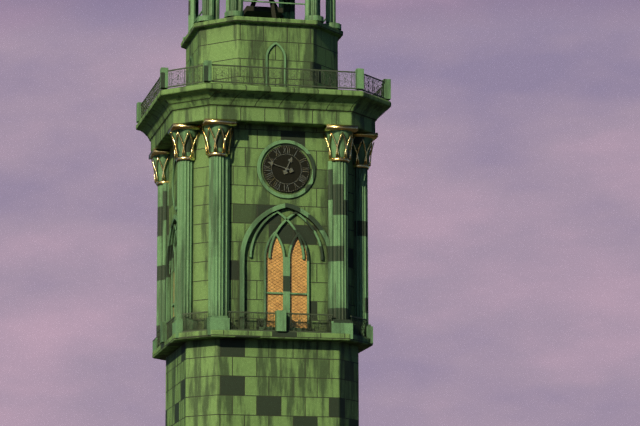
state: 12:48
